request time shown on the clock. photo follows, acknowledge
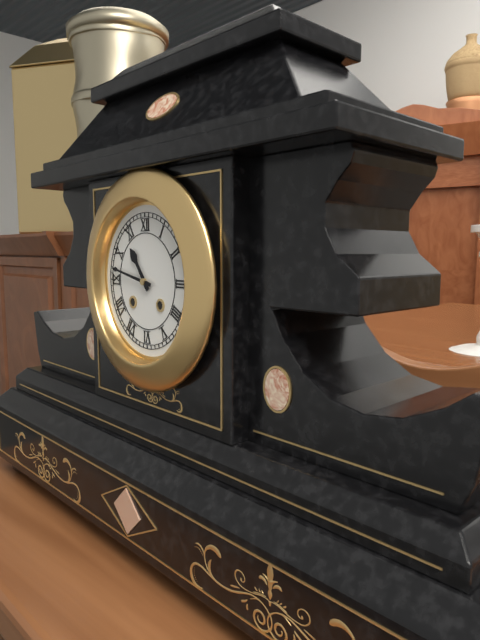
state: 10:47
